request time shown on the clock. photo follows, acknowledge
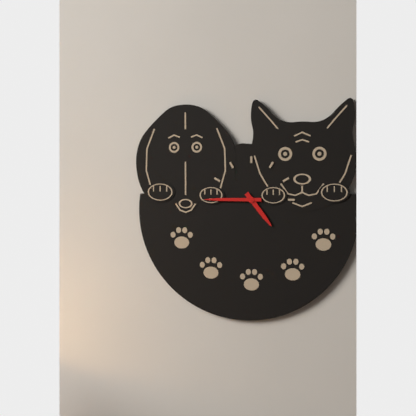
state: 4:45
